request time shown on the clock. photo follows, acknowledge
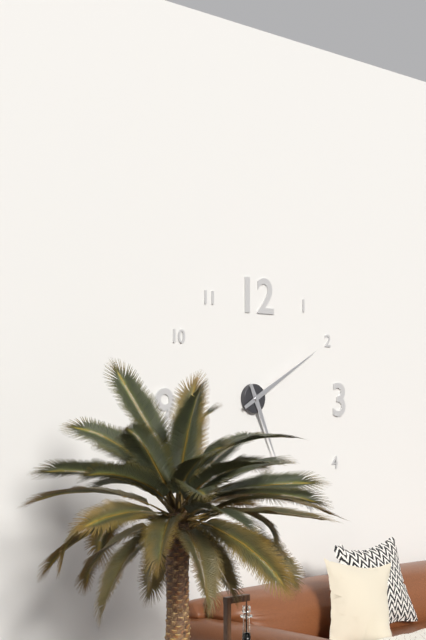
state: 5:10
